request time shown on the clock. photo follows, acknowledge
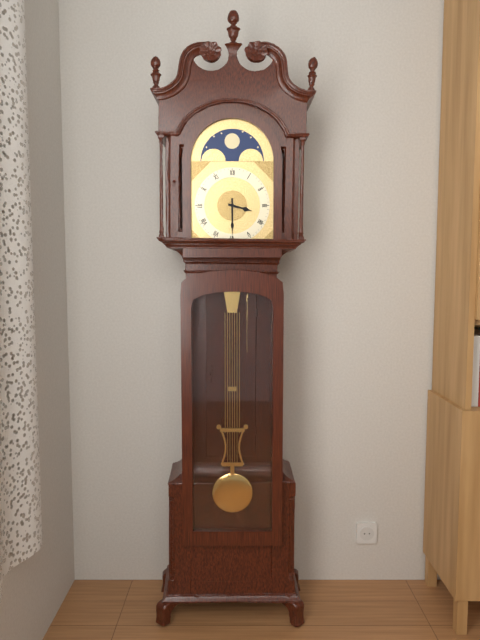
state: 3:30
